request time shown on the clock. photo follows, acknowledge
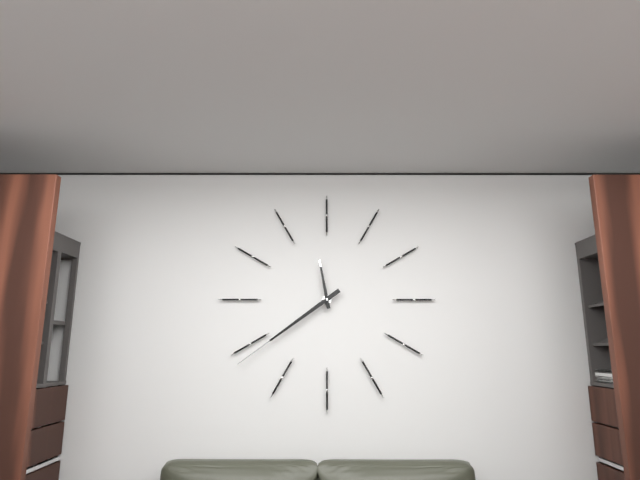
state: 11:39
